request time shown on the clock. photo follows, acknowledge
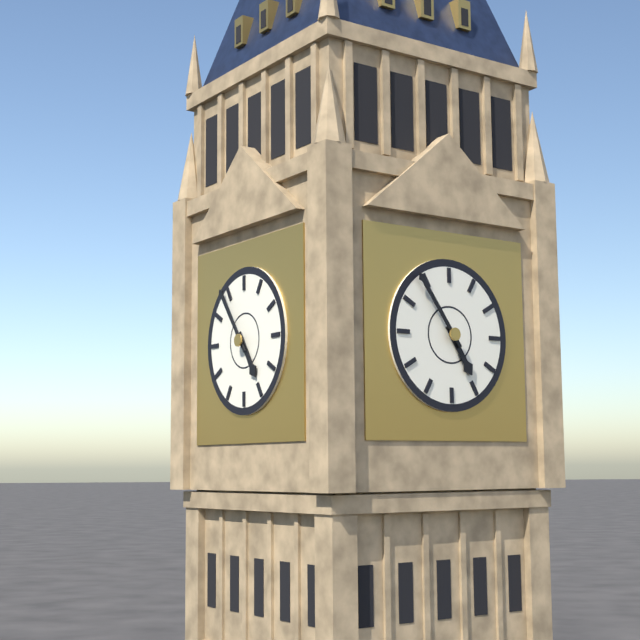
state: 4:54
